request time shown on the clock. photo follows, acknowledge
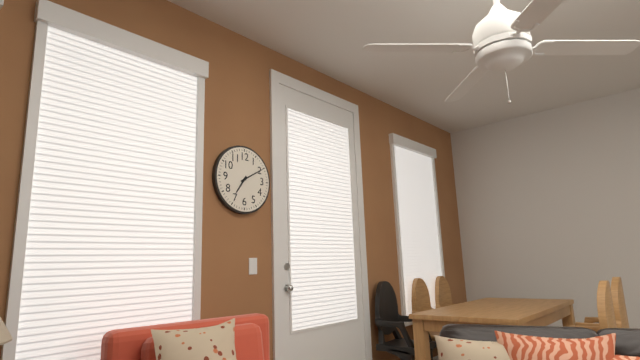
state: 7:10
